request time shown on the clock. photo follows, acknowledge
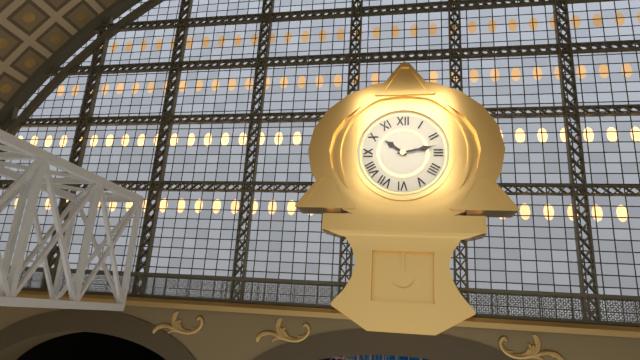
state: 10:13
